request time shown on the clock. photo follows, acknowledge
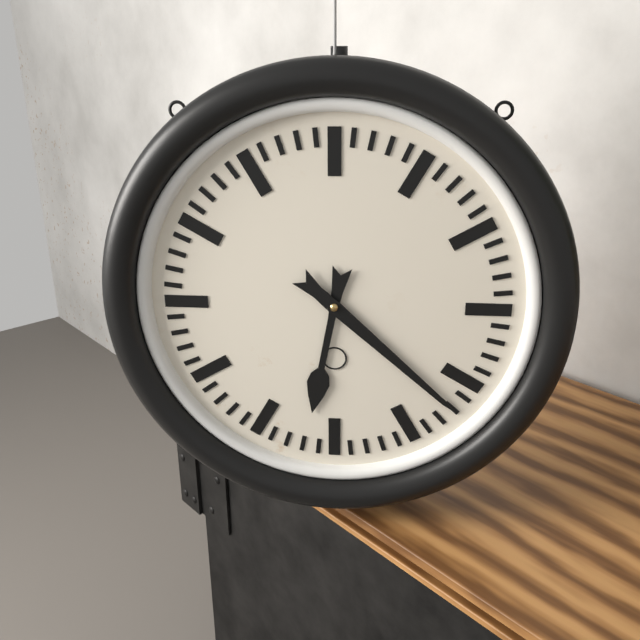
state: 6:22
